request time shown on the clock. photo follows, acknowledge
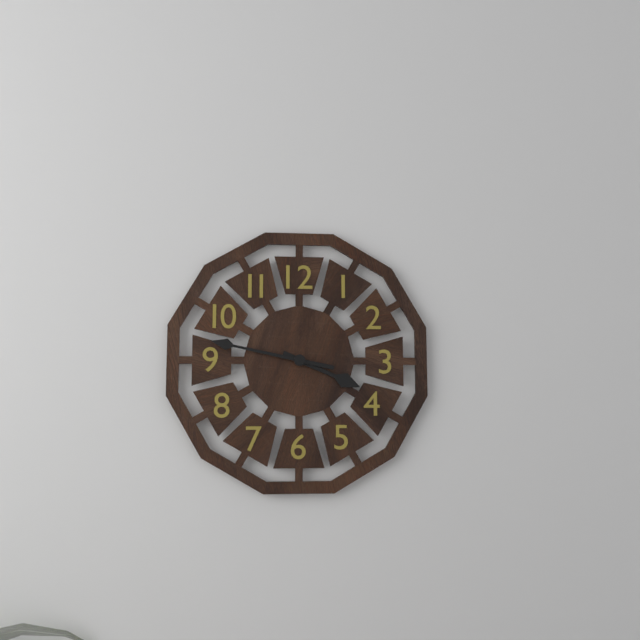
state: 3:47
